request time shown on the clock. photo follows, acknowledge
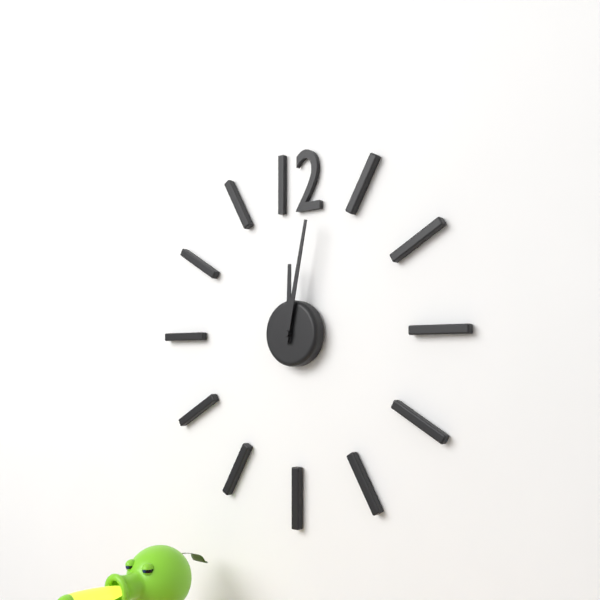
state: 12:02
